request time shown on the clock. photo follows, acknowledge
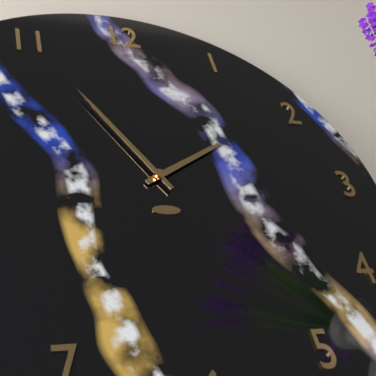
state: 1:55
